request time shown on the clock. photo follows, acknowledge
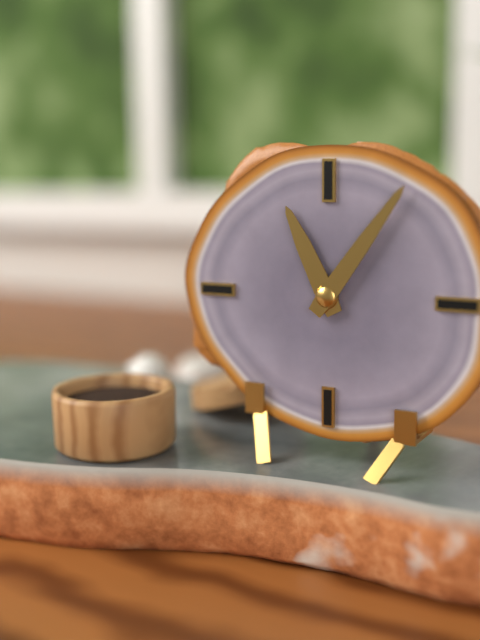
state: 11:06
